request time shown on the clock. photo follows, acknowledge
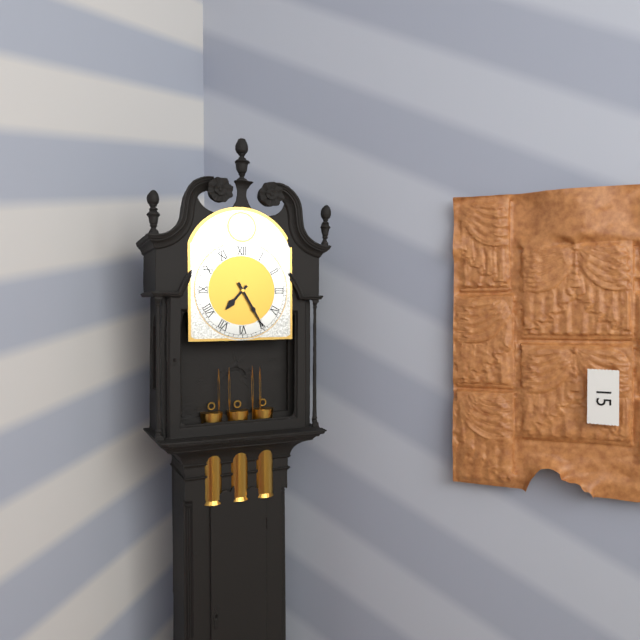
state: 7:25
